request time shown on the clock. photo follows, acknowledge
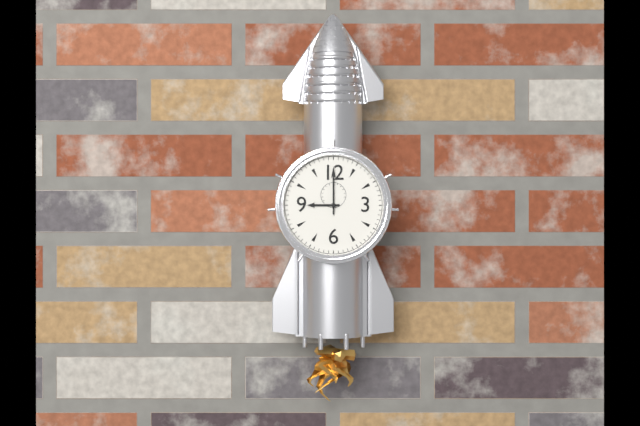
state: 9:00
